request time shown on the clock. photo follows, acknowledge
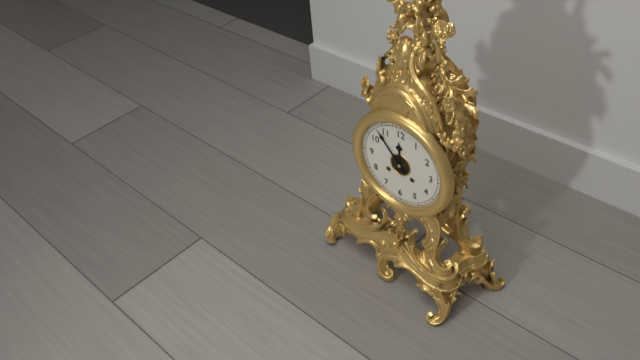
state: 11:53
